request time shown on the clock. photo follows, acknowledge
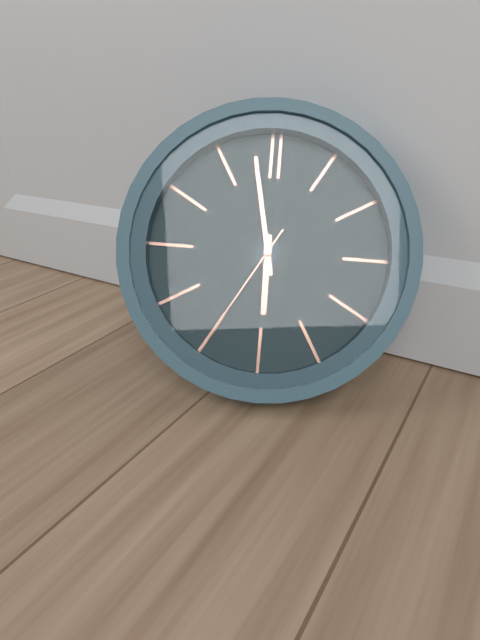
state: 5:58:35
